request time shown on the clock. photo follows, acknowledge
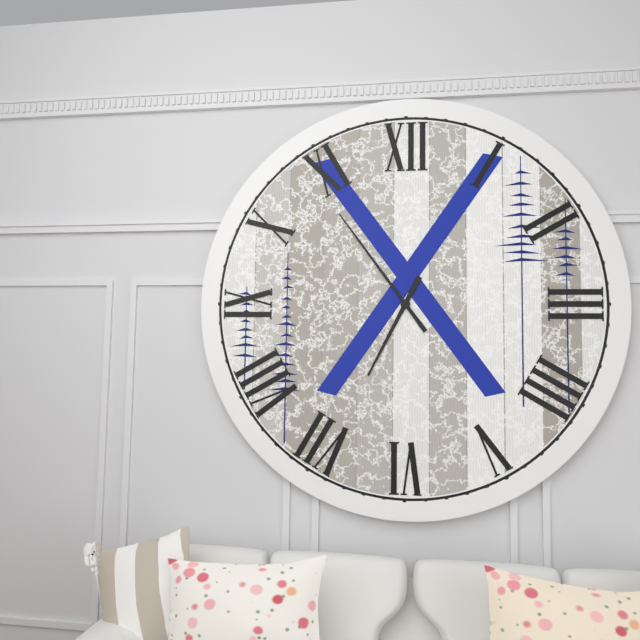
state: 6:54
